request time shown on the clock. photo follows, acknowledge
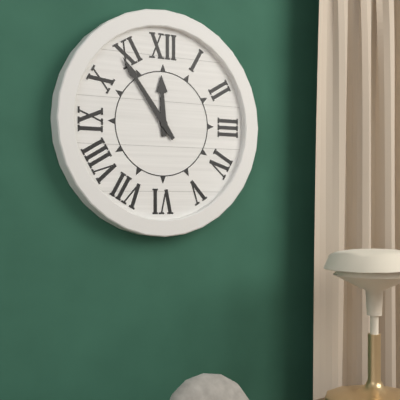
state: 11:54
